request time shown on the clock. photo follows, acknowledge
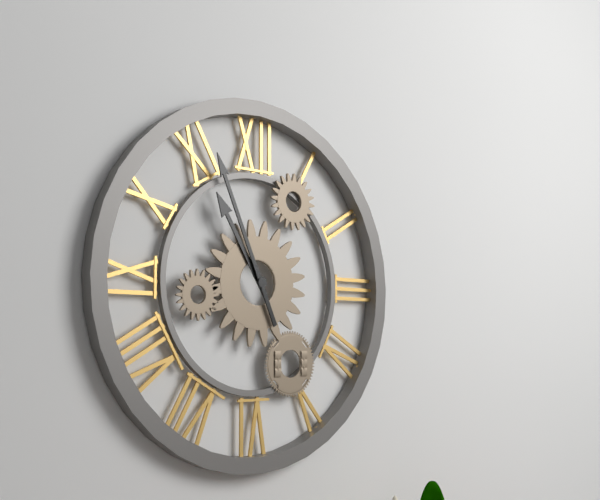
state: 10:56
